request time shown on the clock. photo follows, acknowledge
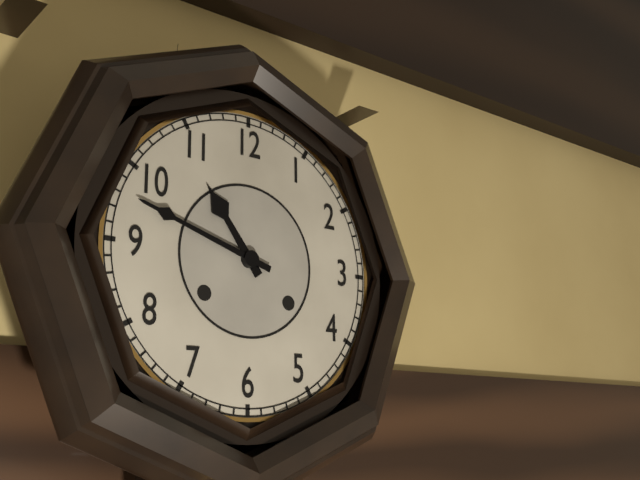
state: 10:48
